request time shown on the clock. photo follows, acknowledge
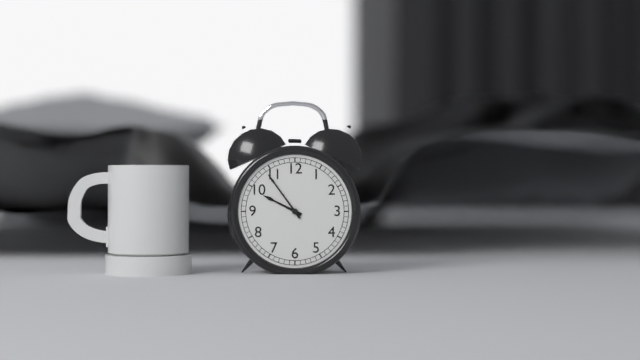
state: 9:54
